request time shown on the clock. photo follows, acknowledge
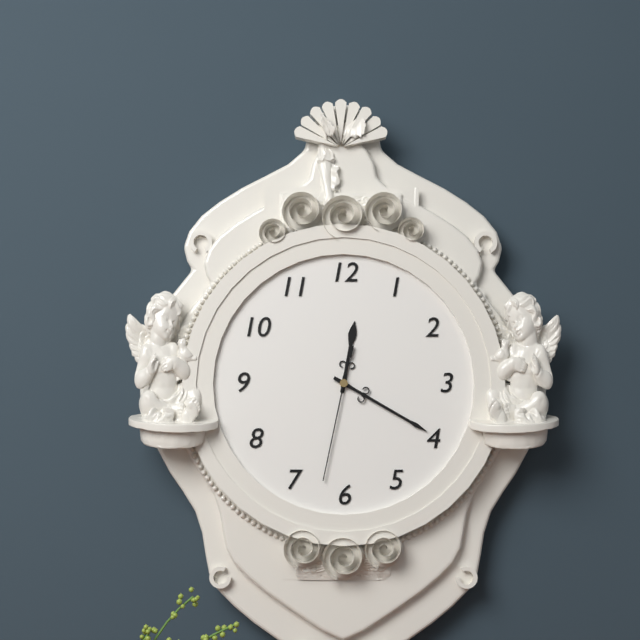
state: 12:20:32
